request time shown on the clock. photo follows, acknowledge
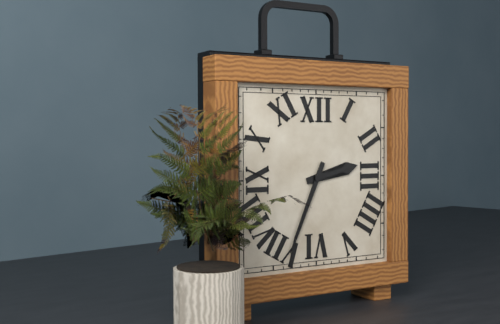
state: 2:34
